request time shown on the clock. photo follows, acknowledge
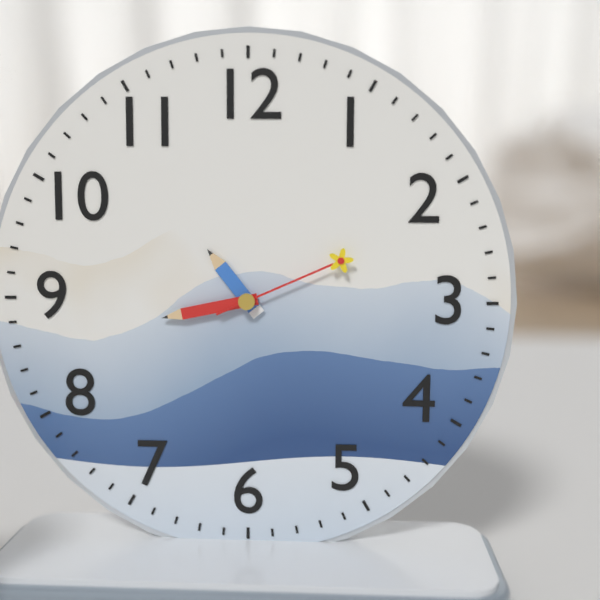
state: 10:43:11
